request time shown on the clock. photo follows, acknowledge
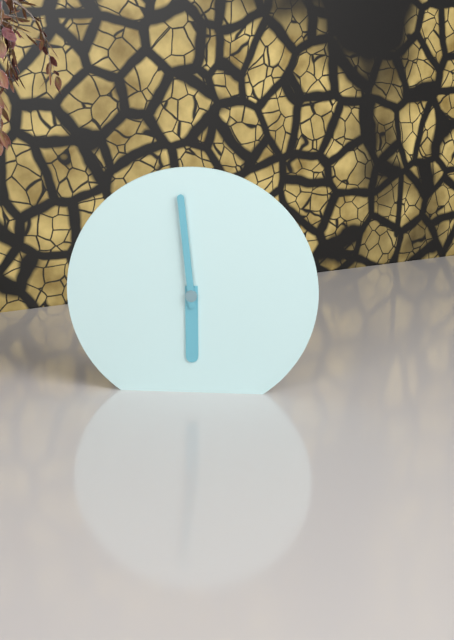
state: 5:59
